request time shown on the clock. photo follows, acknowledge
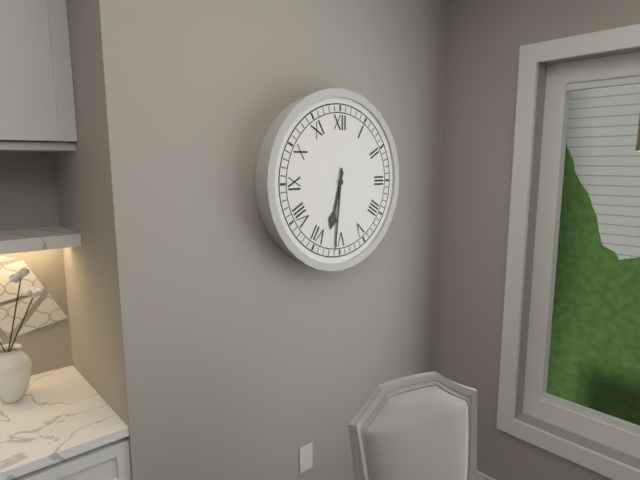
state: 6:31
